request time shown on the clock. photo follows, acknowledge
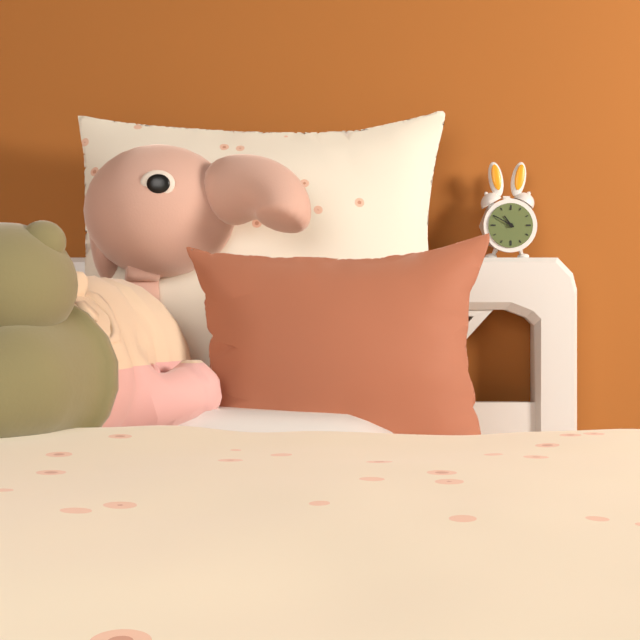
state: 10:50
